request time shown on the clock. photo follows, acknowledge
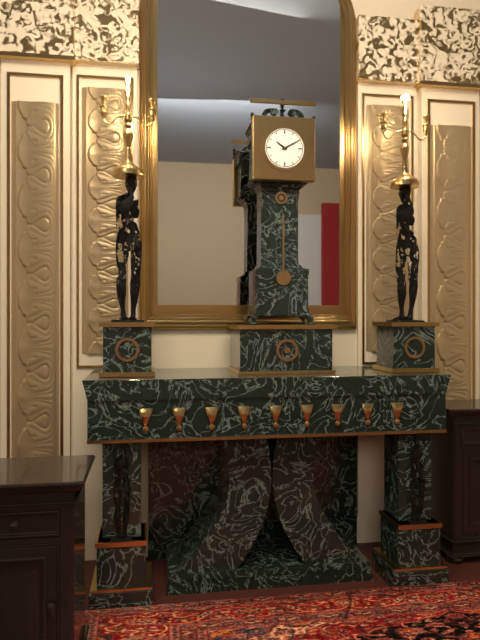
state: 10:10
